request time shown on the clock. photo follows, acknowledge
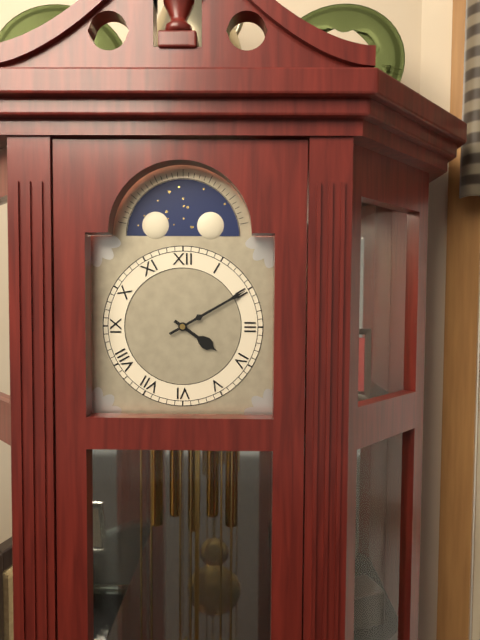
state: 4:10
